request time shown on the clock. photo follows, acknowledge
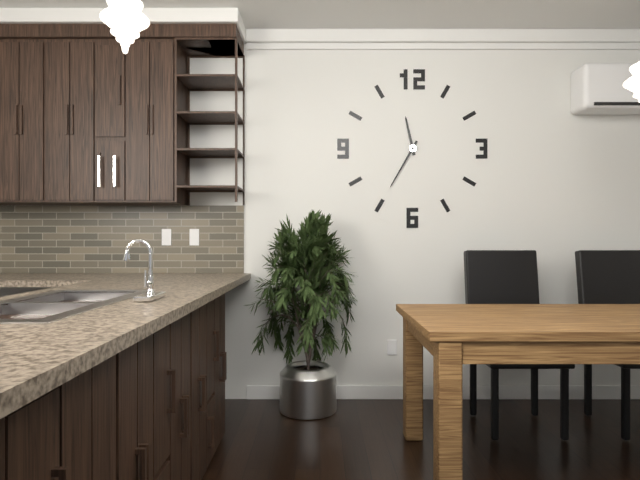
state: 11:35
